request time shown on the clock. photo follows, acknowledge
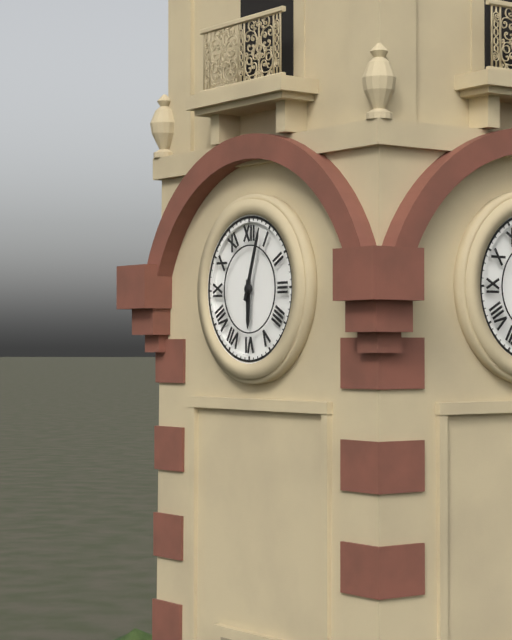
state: 6:03
